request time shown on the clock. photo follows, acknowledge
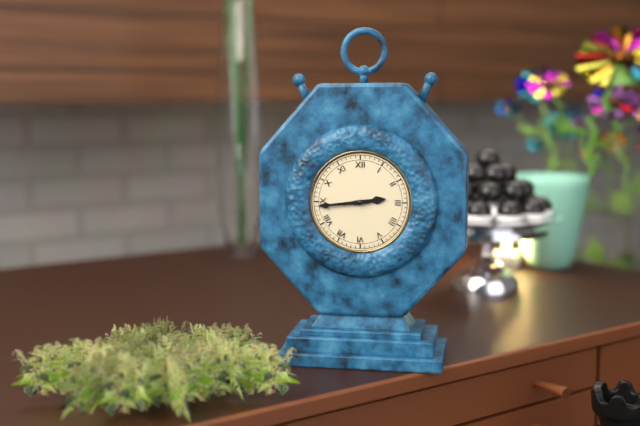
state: 2:44
